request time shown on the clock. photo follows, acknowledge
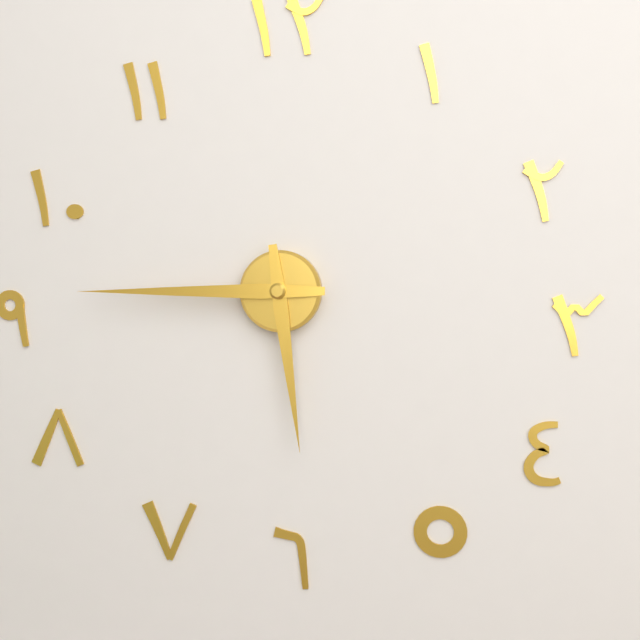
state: 5:45
